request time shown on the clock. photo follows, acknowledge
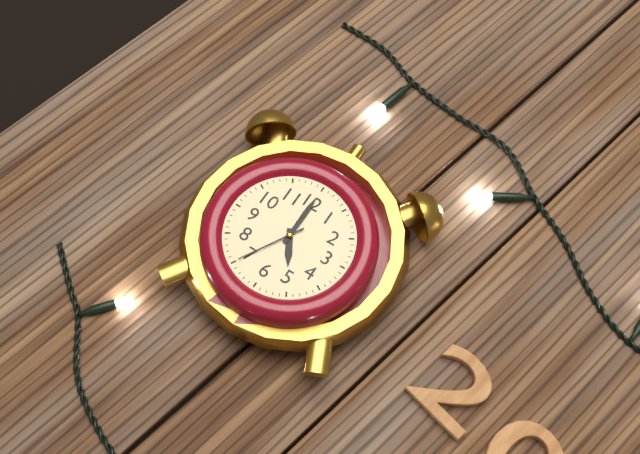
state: 5:00:35
